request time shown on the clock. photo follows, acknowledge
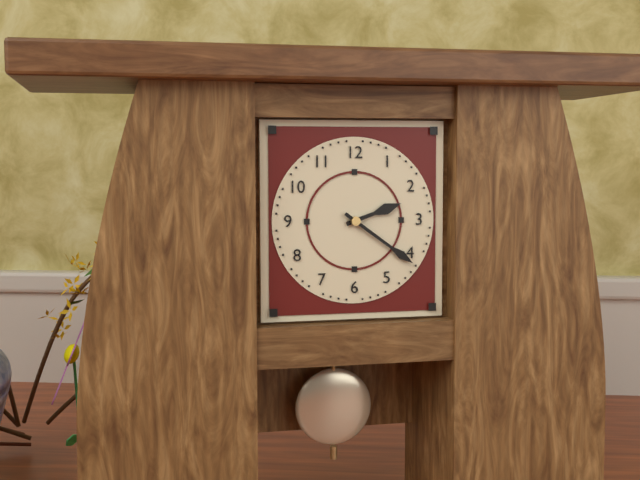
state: 2:21
